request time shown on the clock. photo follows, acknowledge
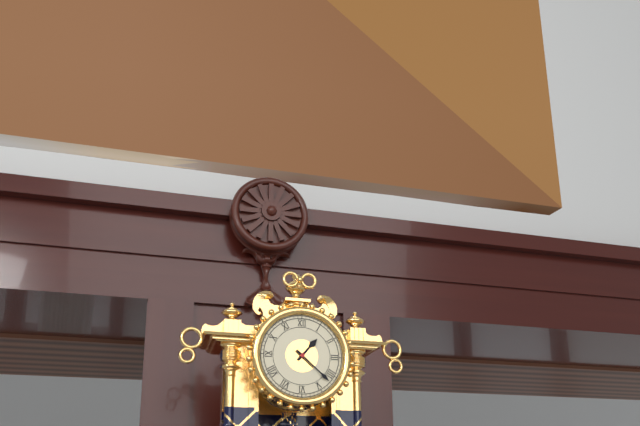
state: 1:22
